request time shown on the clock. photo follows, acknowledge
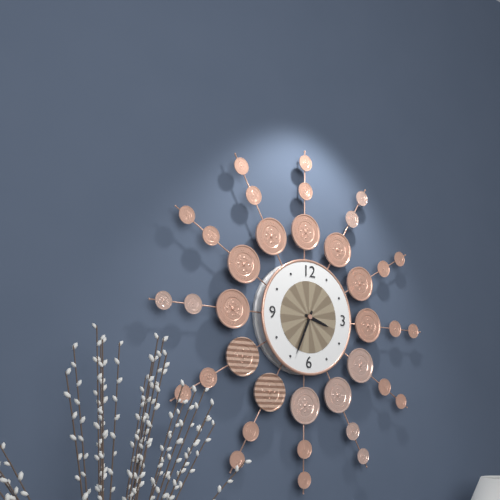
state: 3:34
